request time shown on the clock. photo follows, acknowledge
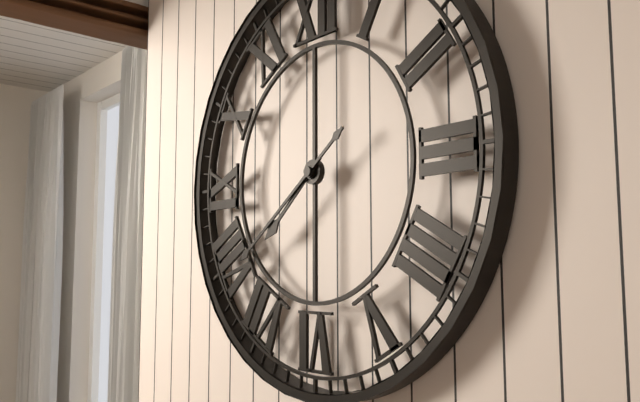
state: 7:39
